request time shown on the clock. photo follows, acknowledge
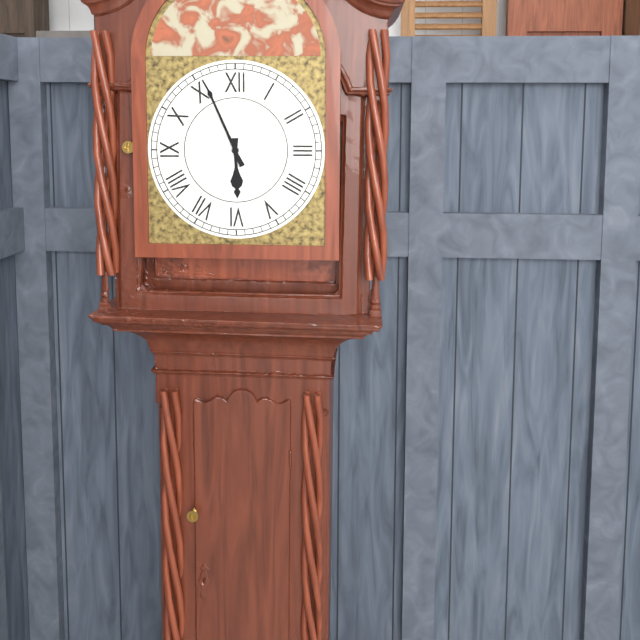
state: 5:56
